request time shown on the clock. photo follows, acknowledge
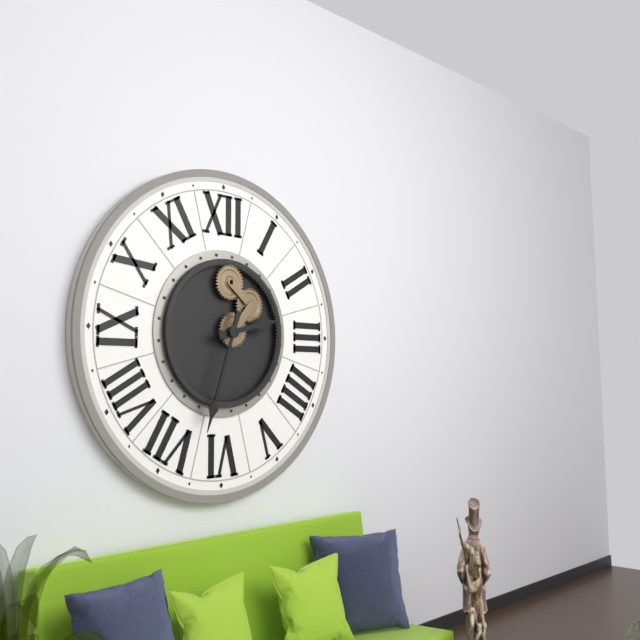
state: 2:33
